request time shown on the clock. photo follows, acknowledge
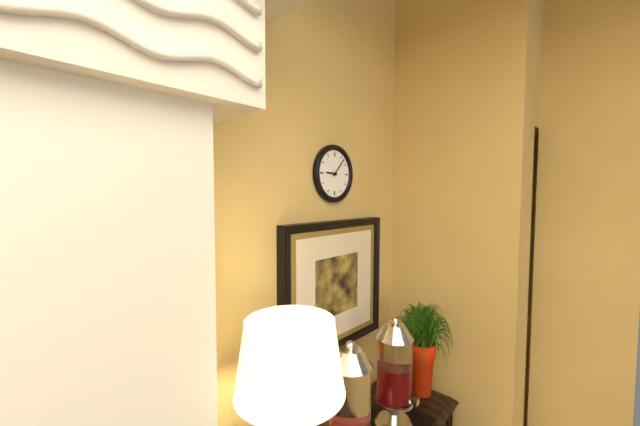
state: 9:07
